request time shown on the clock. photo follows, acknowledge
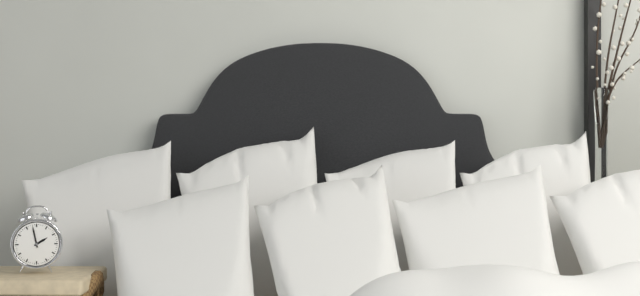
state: 1:58
